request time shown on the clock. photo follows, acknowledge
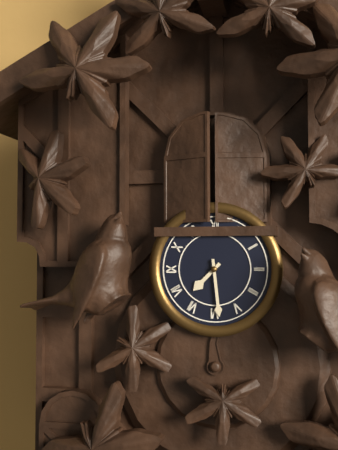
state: 7:29
